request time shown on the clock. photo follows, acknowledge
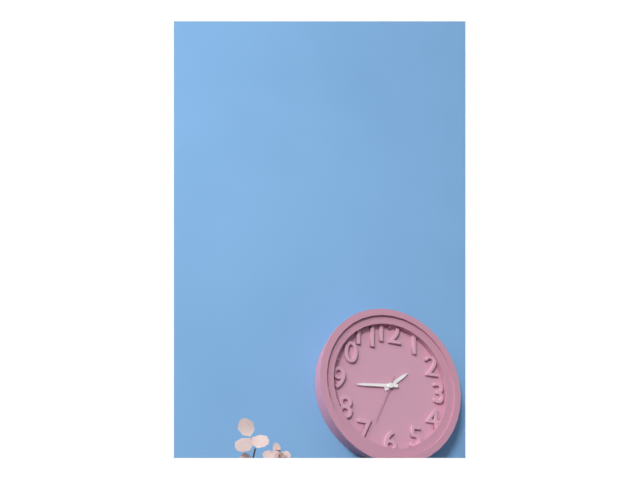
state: 1:44
